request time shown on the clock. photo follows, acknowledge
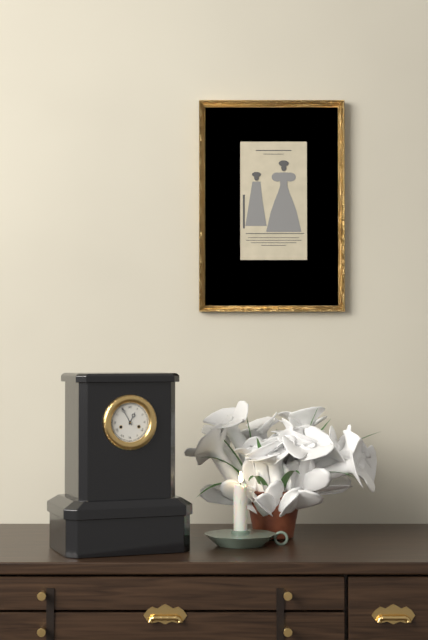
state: 12:55
